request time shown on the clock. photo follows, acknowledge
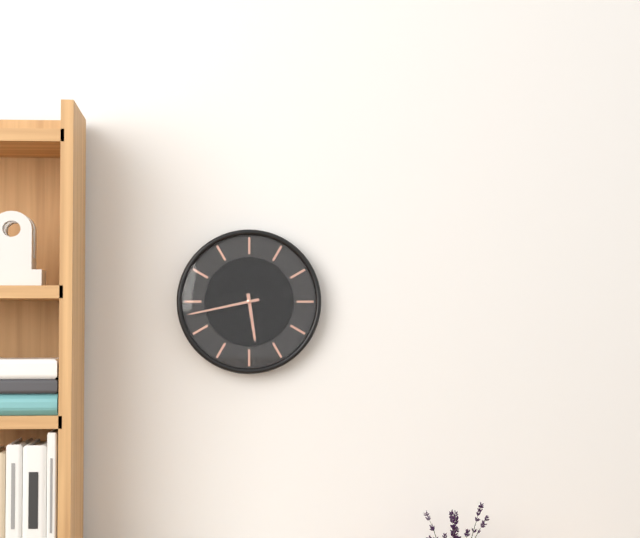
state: 5:43
